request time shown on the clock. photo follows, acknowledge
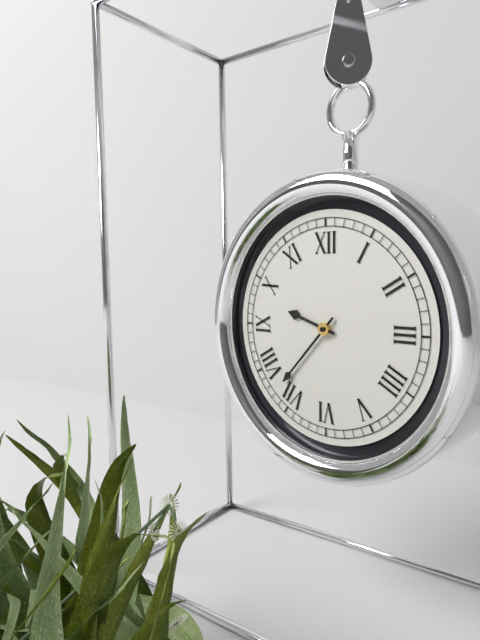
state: 9:37
